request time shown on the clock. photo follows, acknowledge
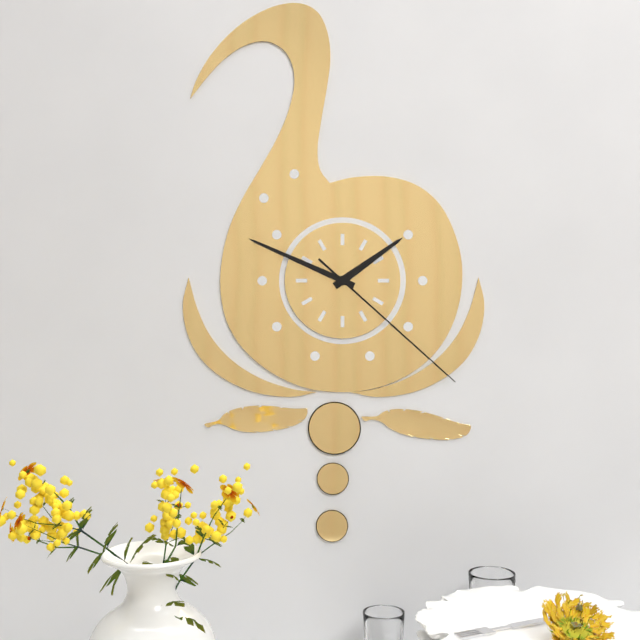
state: 1:49:22
